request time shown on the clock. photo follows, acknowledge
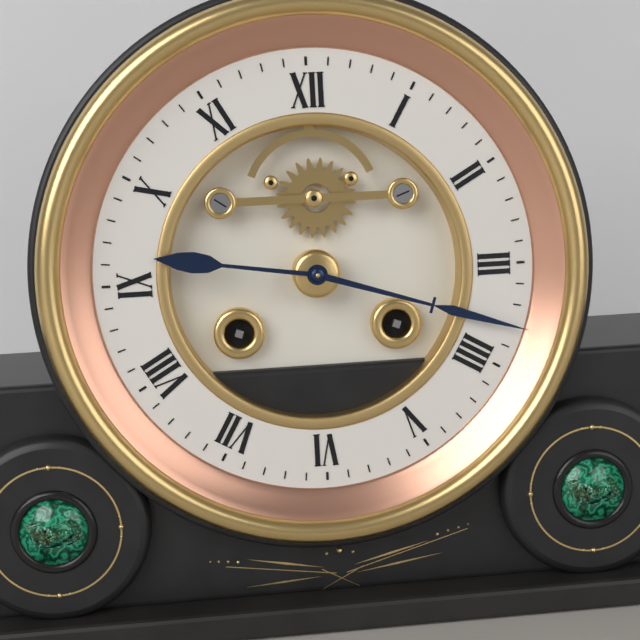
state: 9:18
